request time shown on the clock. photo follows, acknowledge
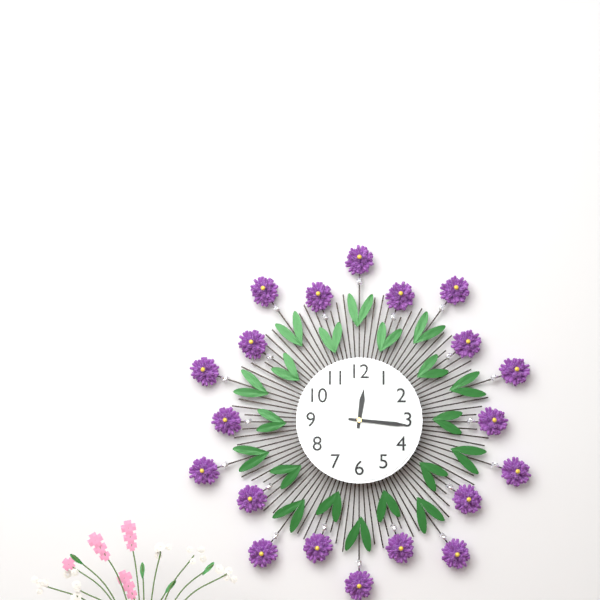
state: 12:16
